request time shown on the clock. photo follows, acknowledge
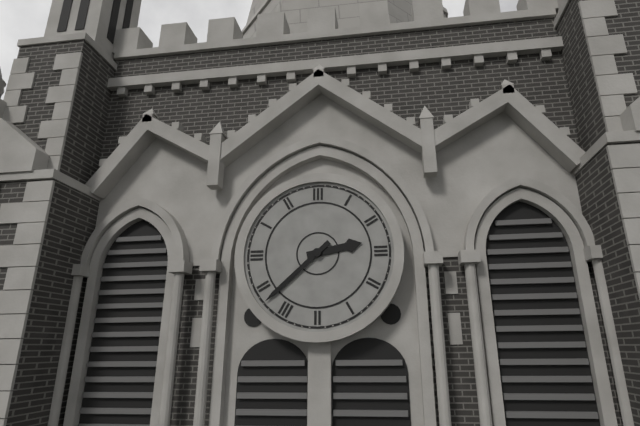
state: 2:38
